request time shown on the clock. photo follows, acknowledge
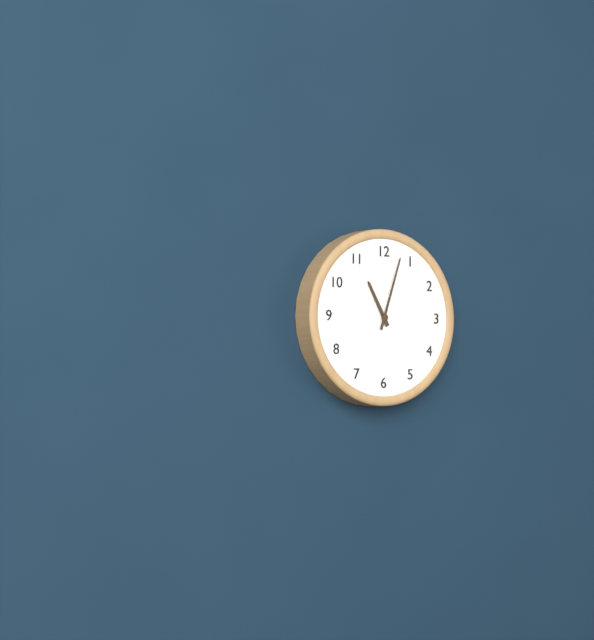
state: 11:03
